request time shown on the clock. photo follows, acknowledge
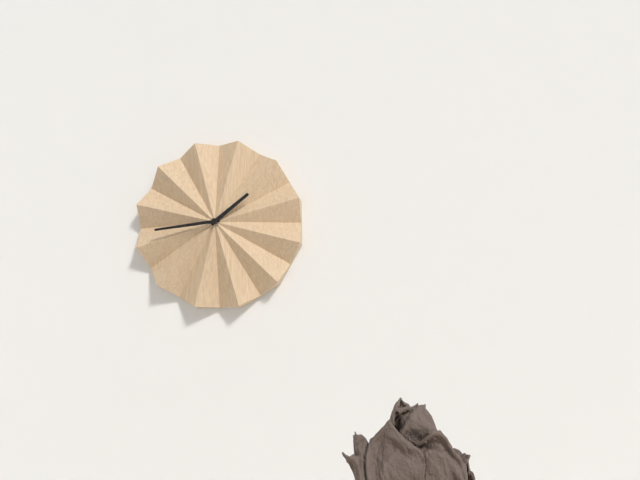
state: 1:44
